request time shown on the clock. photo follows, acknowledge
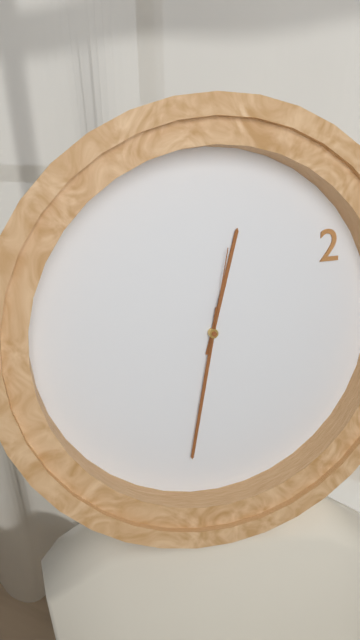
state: 12:32:02
